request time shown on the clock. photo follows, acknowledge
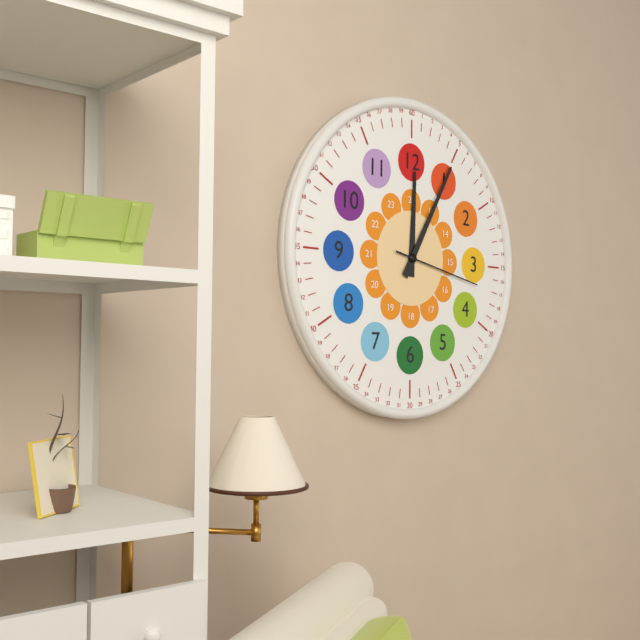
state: 12:05:17
